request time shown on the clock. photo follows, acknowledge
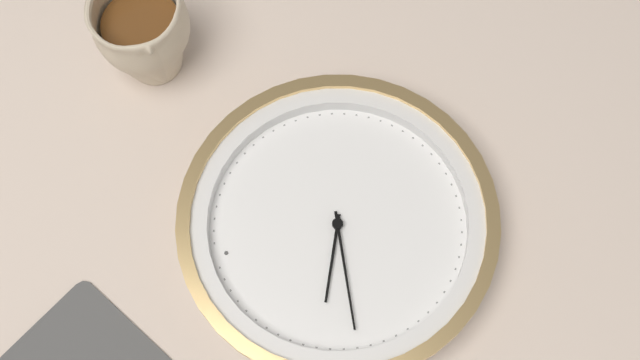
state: 9:46
